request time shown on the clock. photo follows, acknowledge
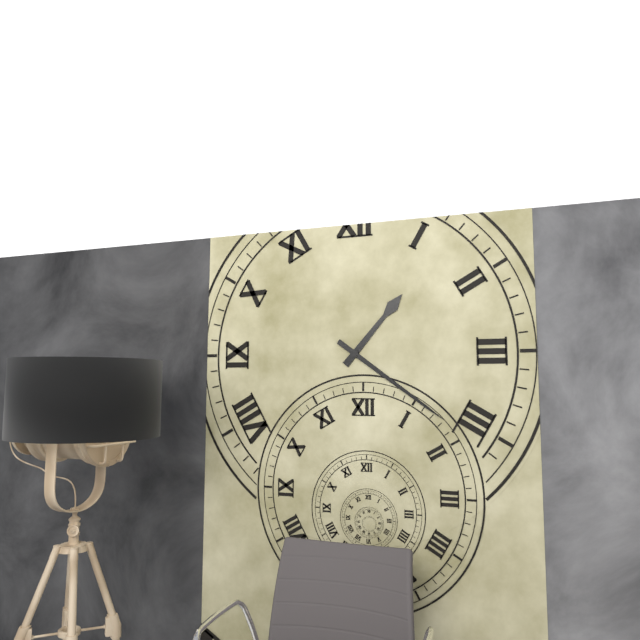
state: 1:21
